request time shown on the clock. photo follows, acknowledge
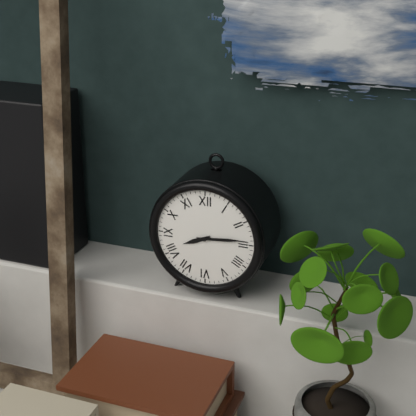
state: 8:14
